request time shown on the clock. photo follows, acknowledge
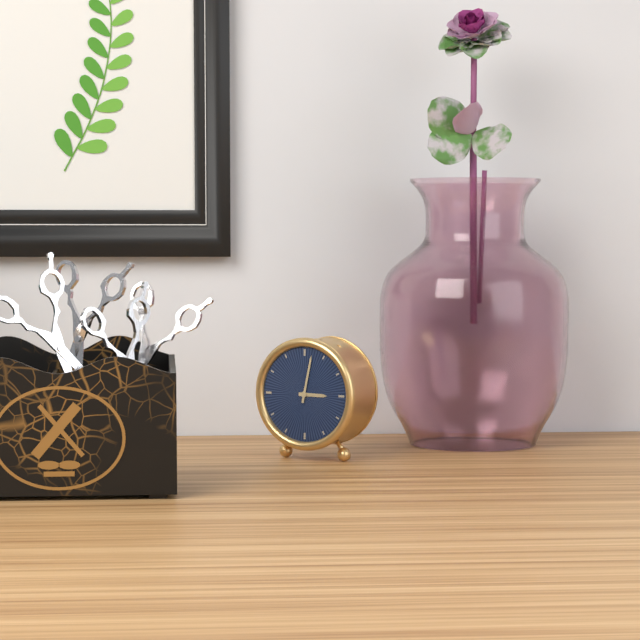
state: 3:02
